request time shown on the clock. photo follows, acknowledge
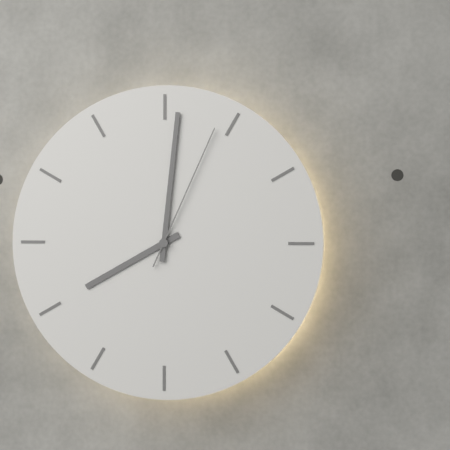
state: 8:01:04
